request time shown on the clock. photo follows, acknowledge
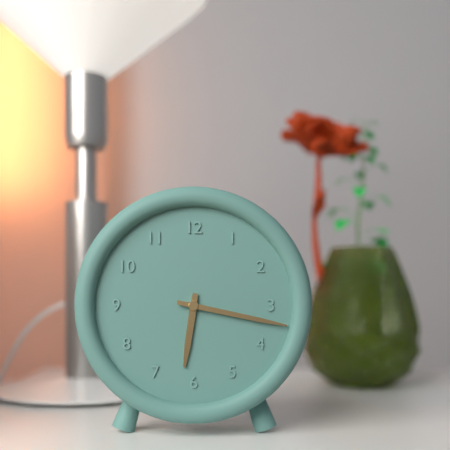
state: 6:17
